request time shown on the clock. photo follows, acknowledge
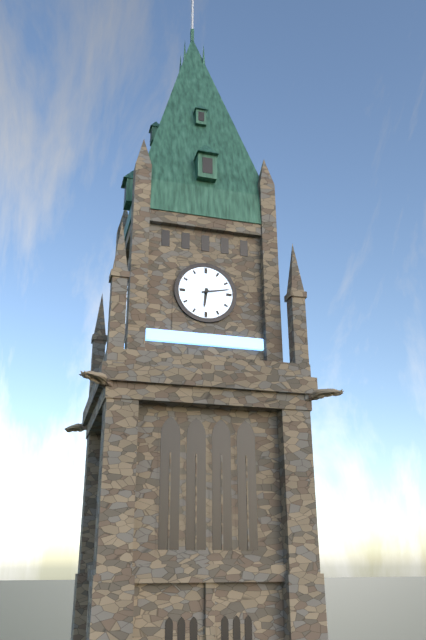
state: 6:13
